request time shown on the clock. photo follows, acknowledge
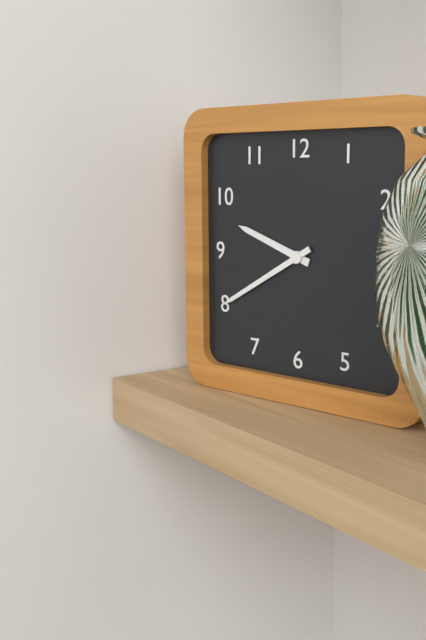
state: 9:40
